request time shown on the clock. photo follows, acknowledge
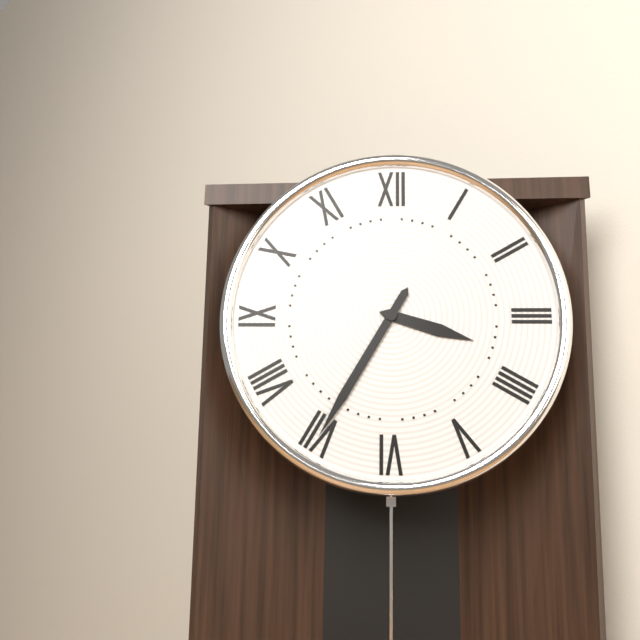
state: 3:35
